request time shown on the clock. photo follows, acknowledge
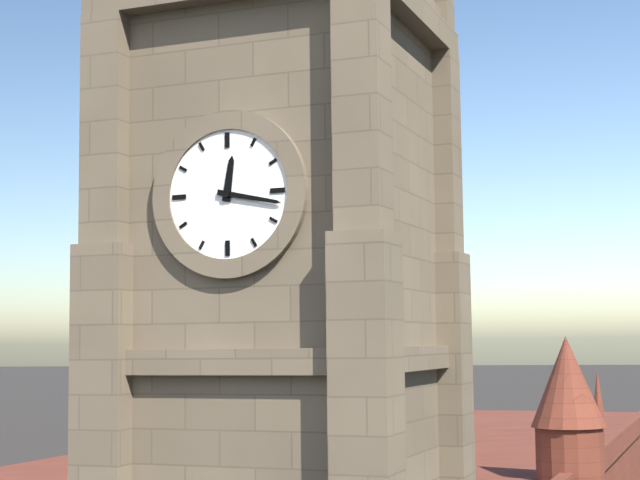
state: 12:17
